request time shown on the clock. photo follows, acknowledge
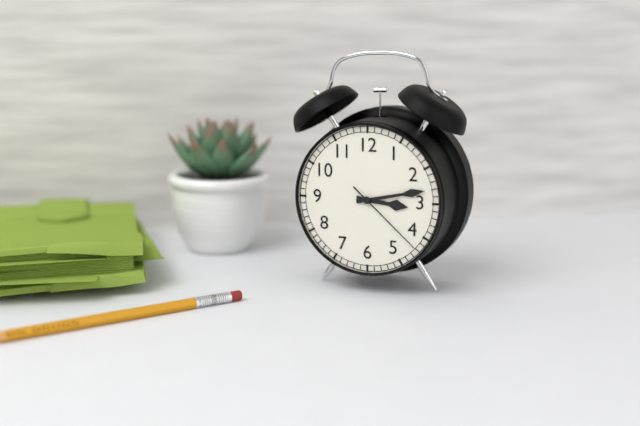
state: 3:13:22
